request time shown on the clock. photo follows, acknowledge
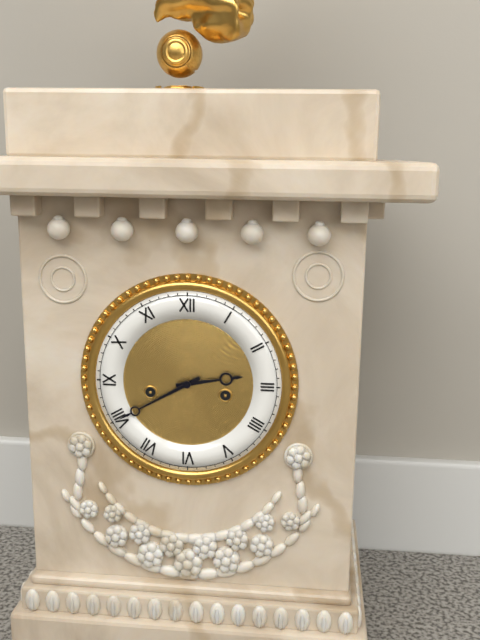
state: 2:40
